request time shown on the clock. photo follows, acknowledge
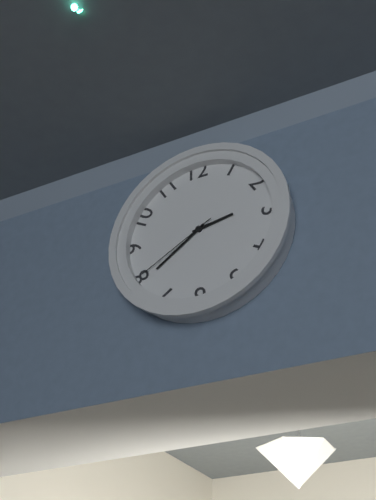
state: 2:39:40
